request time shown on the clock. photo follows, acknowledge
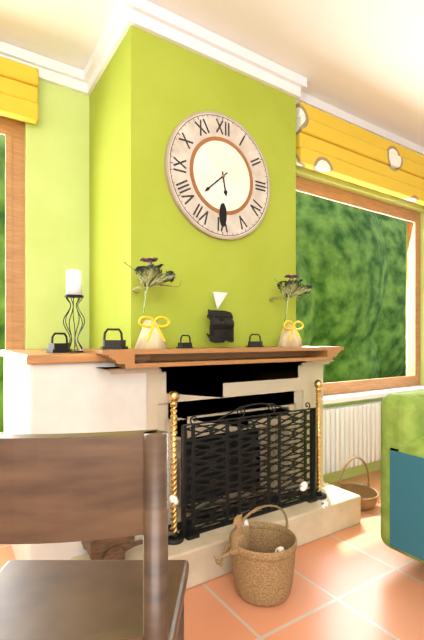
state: 5:38
